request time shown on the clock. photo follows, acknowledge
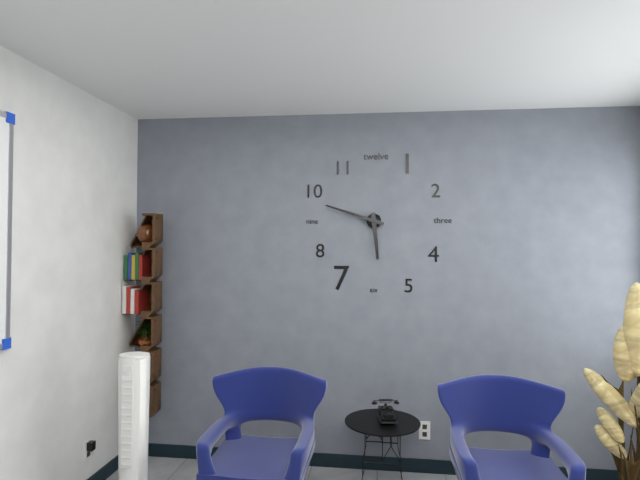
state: 5:48
